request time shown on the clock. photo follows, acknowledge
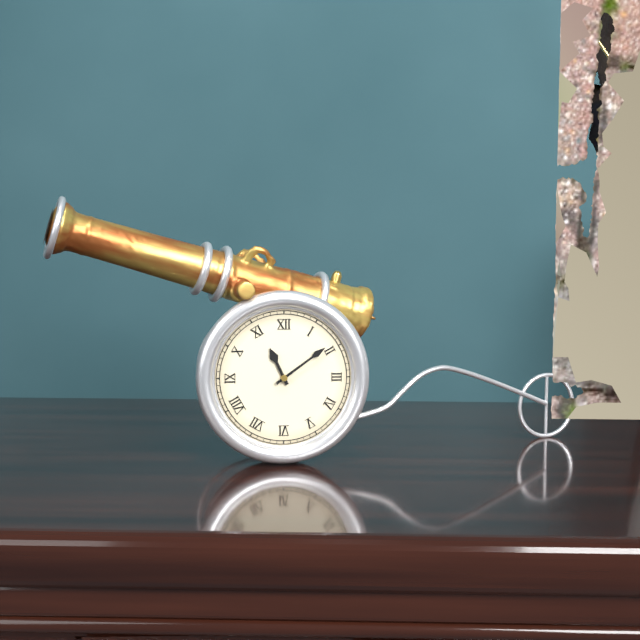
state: 11:09
